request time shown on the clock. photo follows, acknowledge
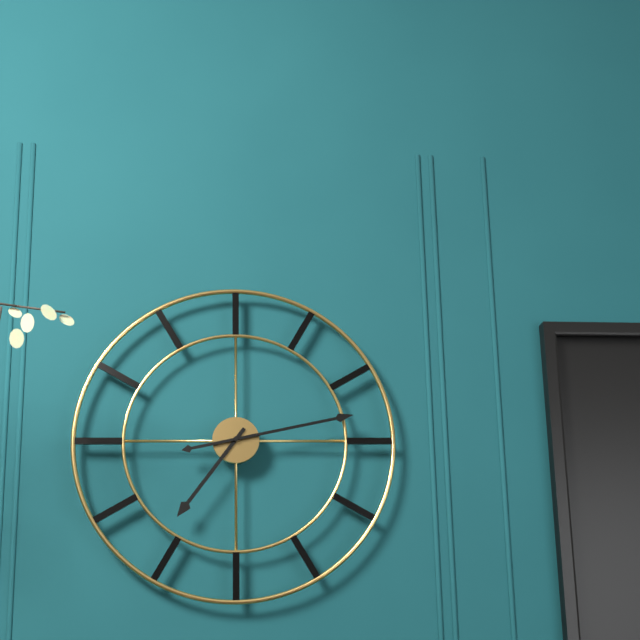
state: 7:13
